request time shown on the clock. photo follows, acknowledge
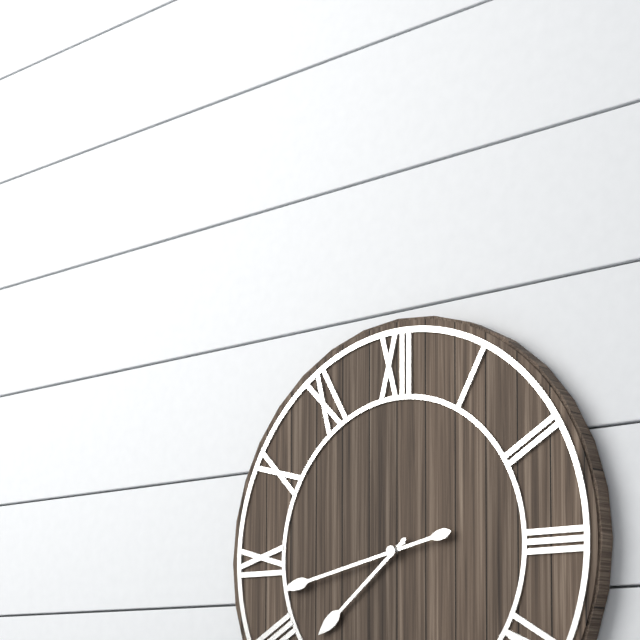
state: 7:43
